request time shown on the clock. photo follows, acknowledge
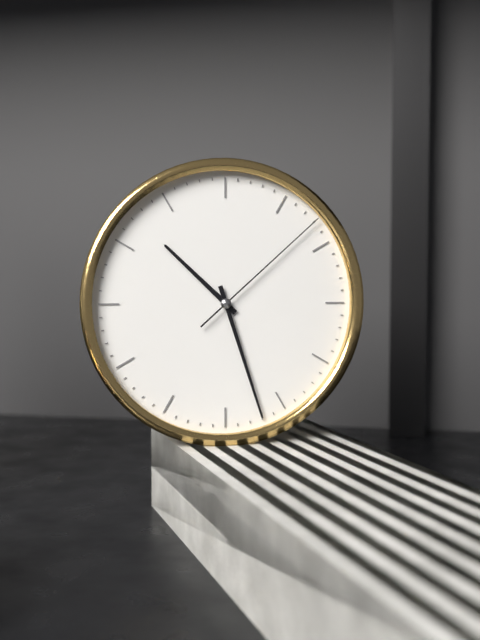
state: 10:27:08
